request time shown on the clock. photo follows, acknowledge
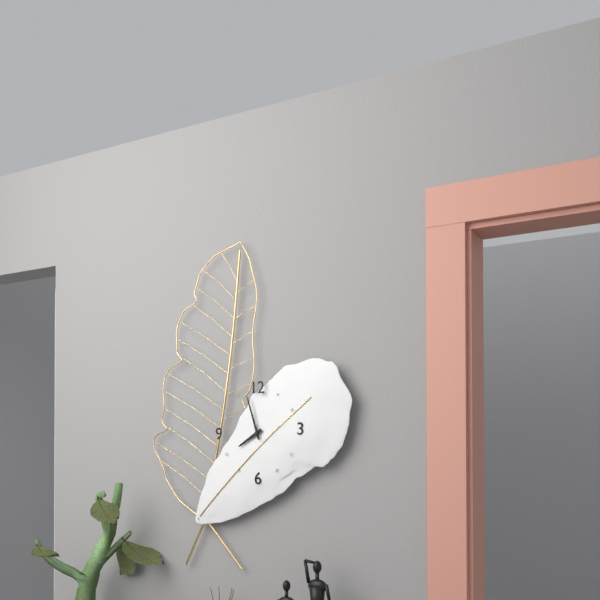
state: 7:57
